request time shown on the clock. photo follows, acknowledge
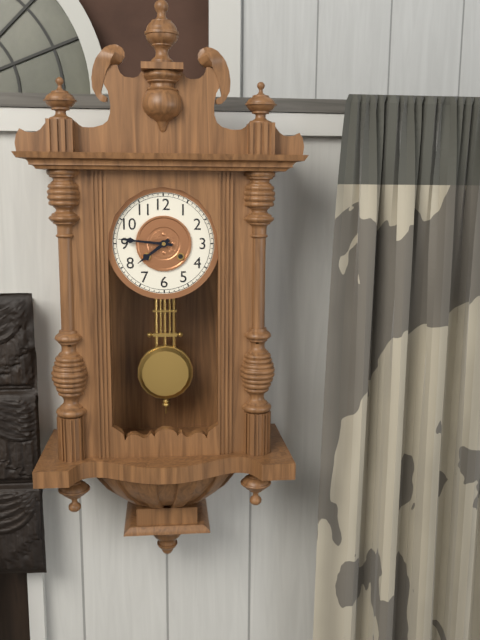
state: 7:46
